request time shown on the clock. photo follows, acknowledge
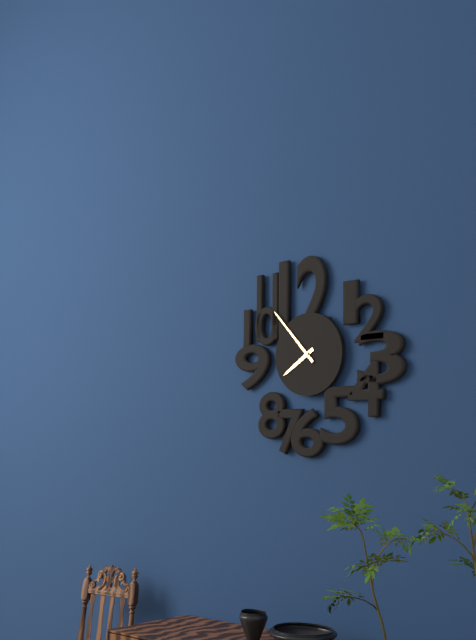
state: 7:53
